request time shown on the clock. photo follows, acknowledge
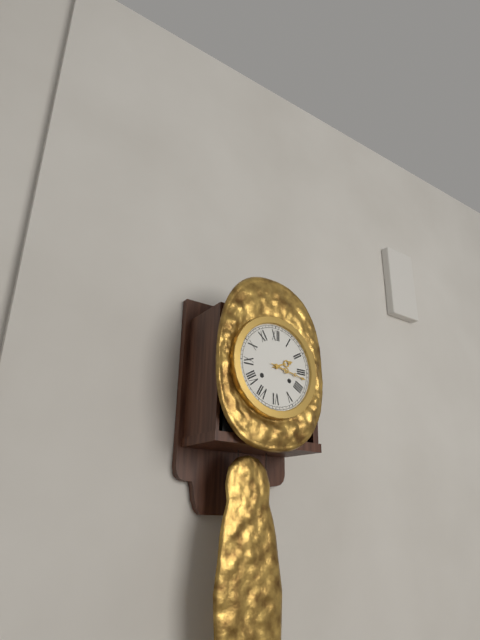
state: 2:17
